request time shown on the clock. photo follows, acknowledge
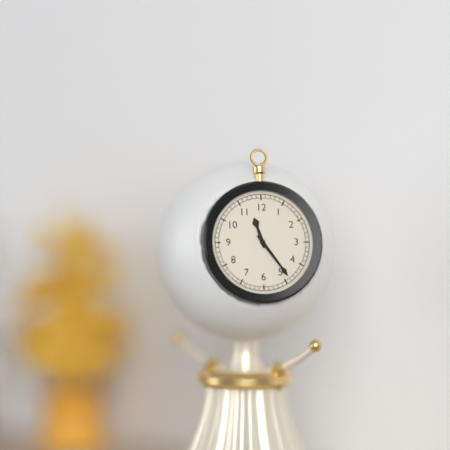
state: 11:24
